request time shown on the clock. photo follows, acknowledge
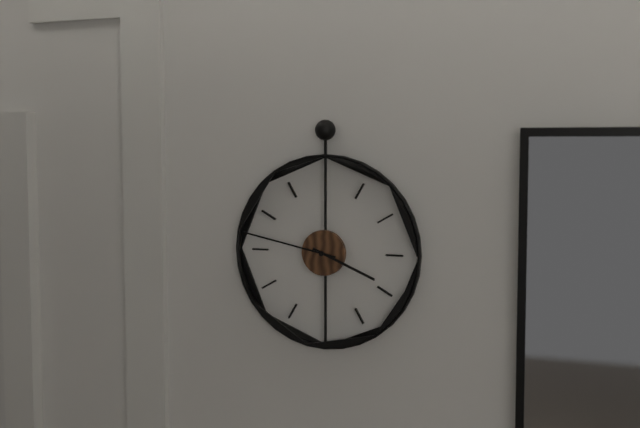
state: 3:47
